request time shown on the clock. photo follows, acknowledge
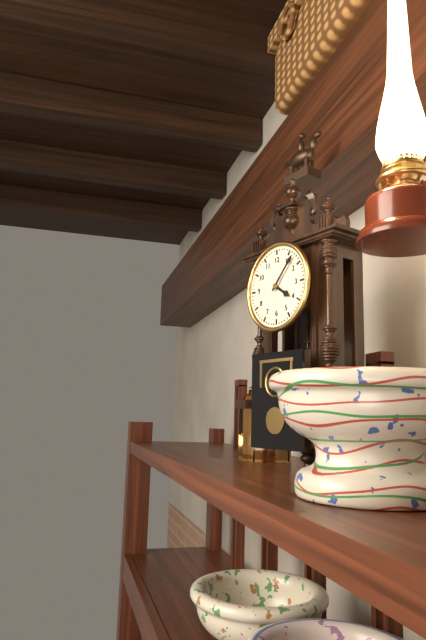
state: 4:07
